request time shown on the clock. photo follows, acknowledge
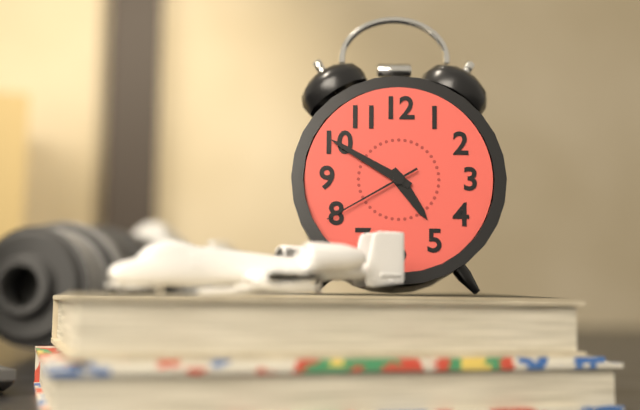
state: 4:50:40
